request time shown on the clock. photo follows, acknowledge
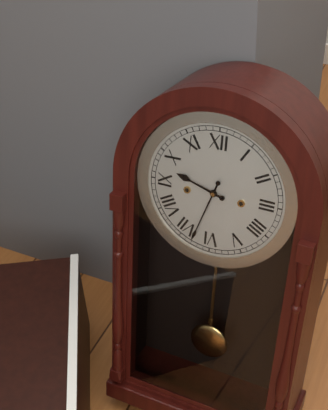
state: 9:33
